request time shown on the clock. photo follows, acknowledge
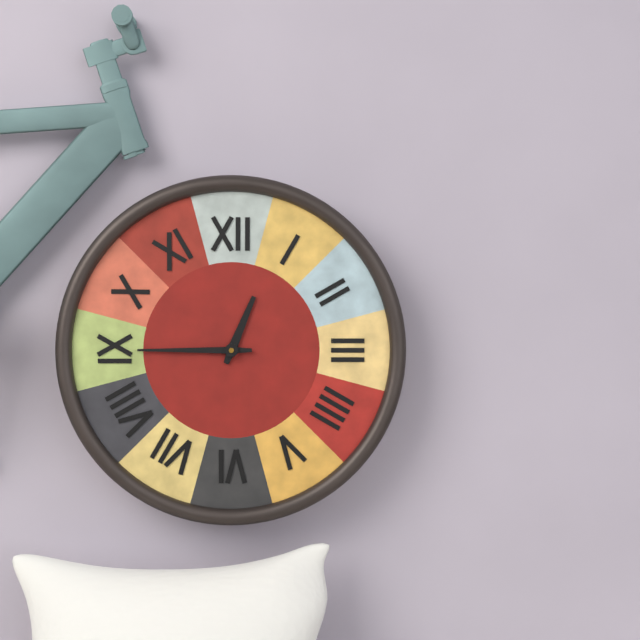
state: 12:45
